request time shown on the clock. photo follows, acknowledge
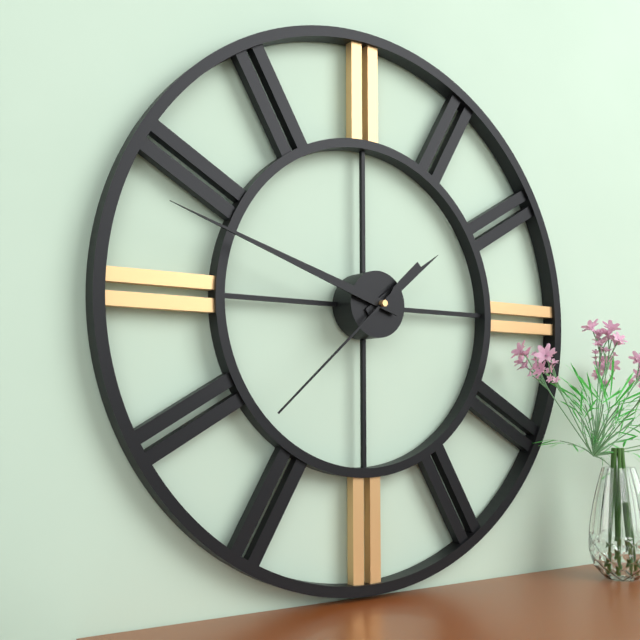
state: 1:48:38
